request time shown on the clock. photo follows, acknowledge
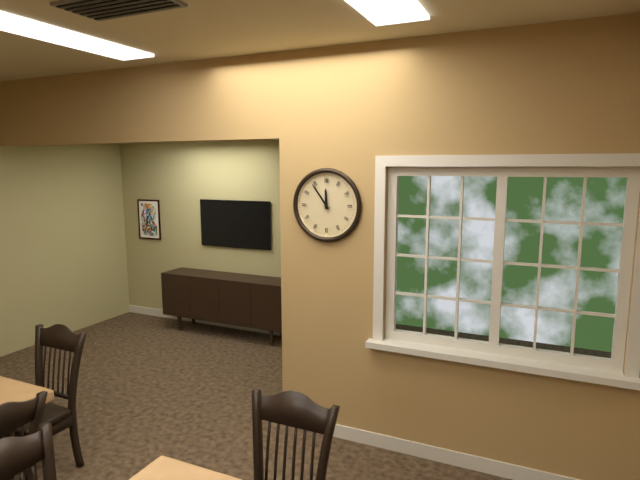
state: 11:54
